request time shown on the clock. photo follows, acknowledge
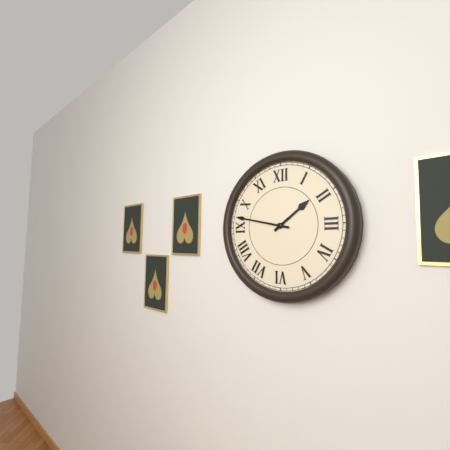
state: 1:47
